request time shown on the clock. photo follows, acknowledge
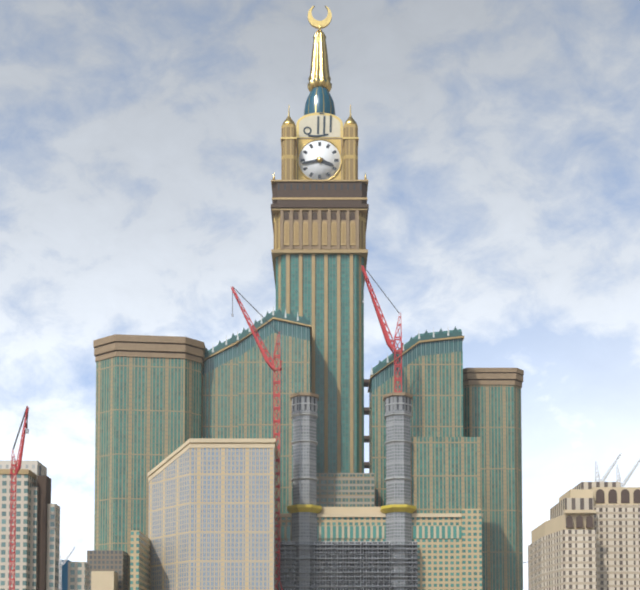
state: 3:43
